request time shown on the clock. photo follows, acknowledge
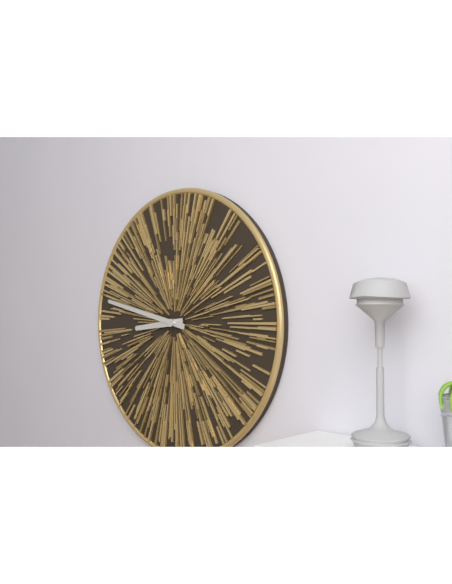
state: 8:47
